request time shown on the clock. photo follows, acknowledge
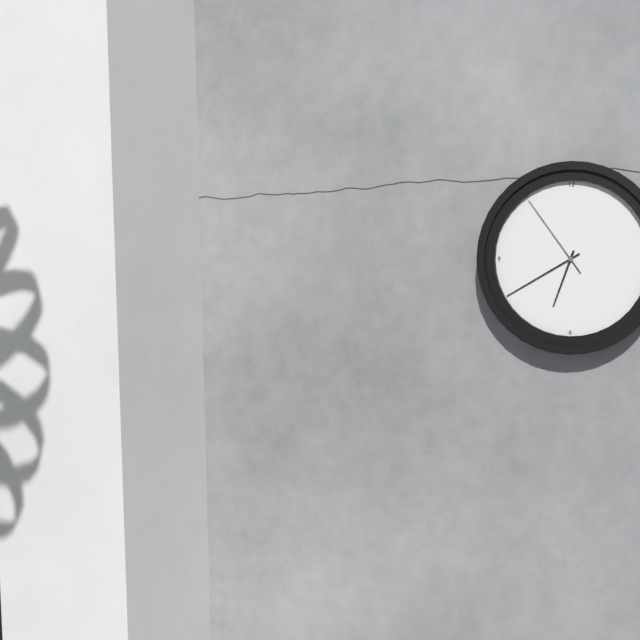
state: 6:40:54
